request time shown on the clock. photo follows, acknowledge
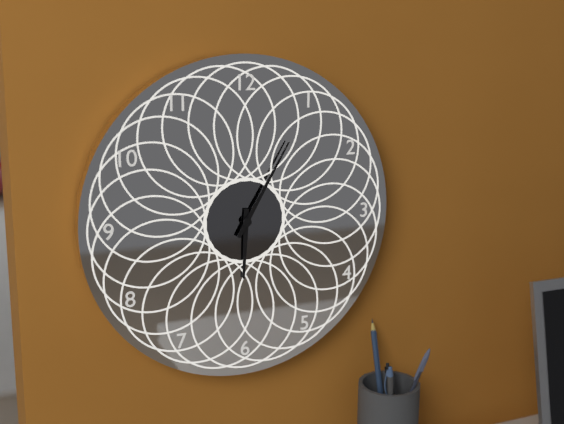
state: 6:05
